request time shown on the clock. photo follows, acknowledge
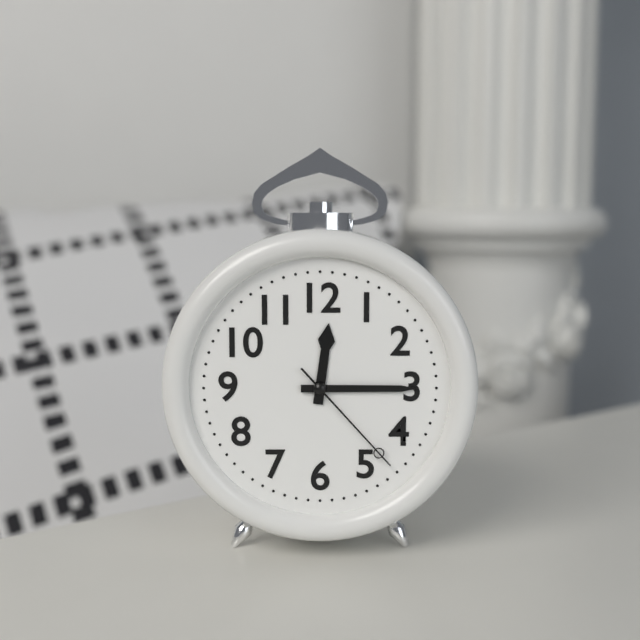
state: 12:15:23
